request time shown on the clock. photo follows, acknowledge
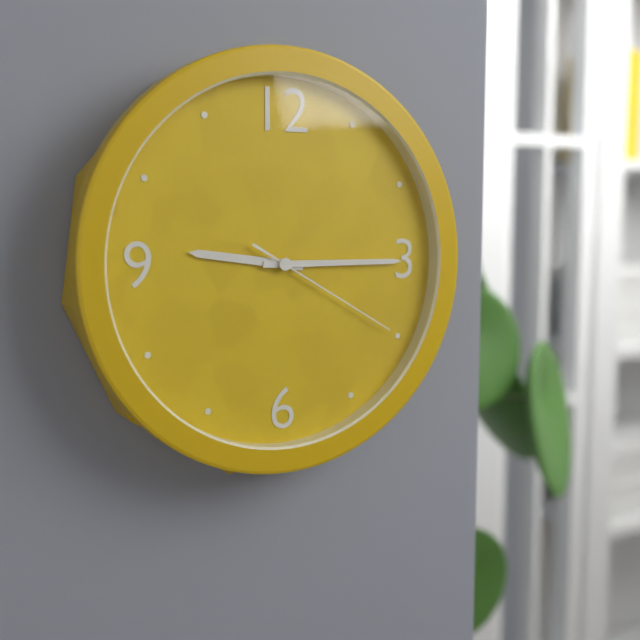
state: 9:15:20
